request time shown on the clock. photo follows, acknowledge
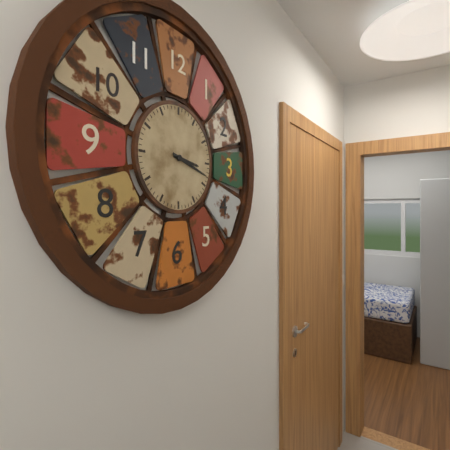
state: 3:18
